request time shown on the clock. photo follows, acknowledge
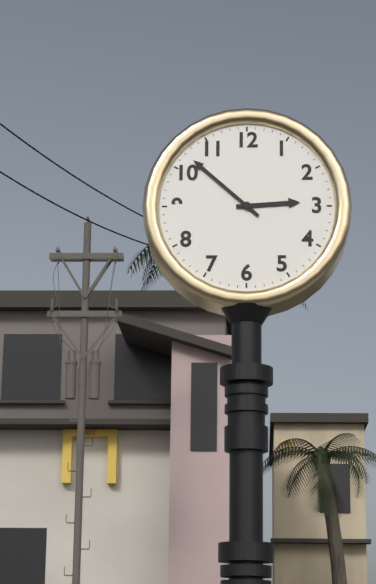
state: 2:52
